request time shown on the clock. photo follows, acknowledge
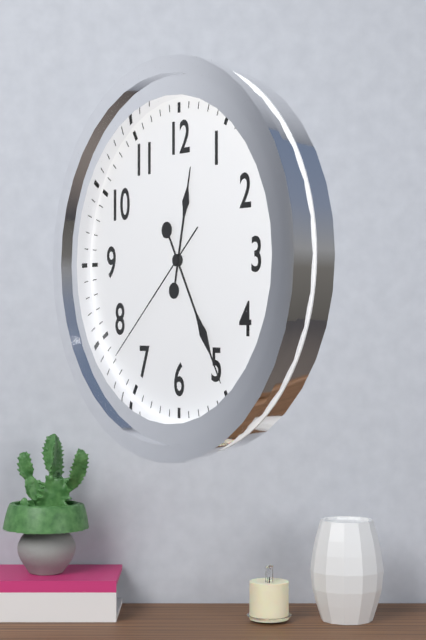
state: 12:25:38
